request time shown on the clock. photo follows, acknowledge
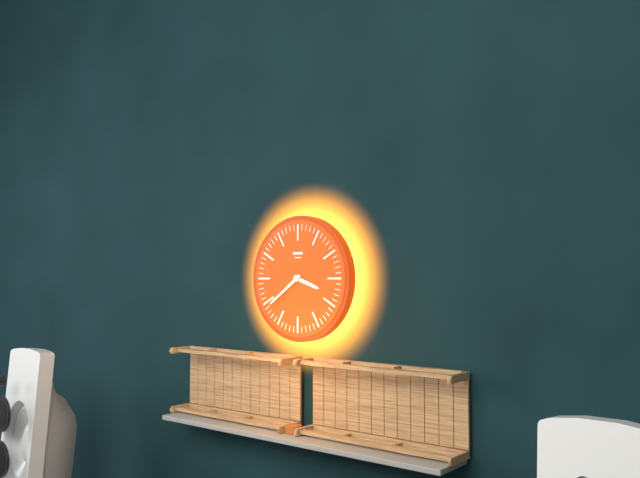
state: 3:39
